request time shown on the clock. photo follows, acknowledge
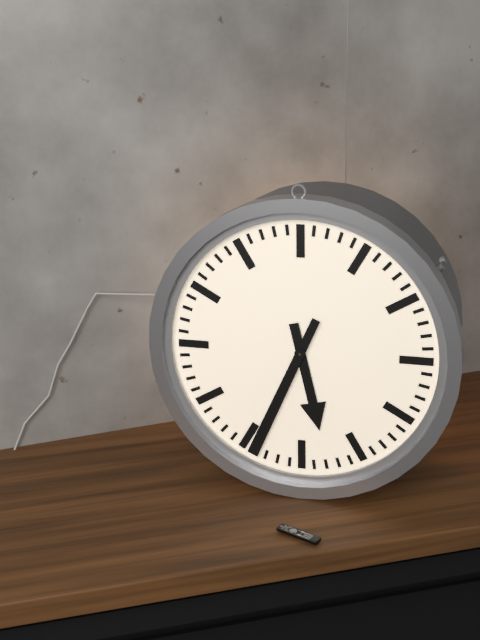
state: 5:34
